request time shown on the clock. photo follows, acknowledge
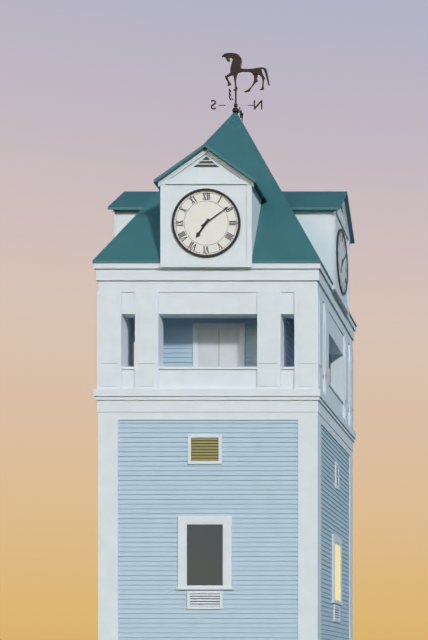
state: 7:09
